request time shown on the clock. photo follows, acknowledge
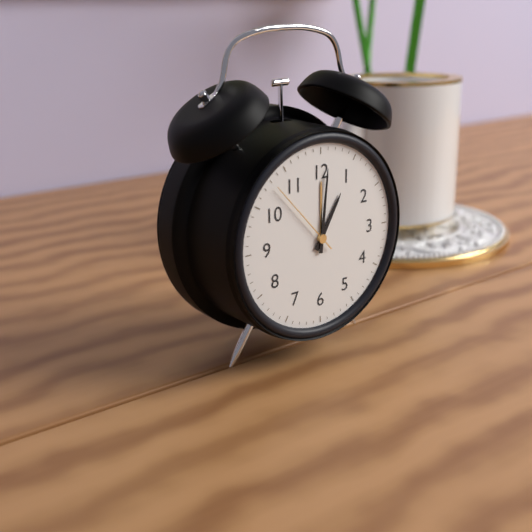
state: 1:01:53
